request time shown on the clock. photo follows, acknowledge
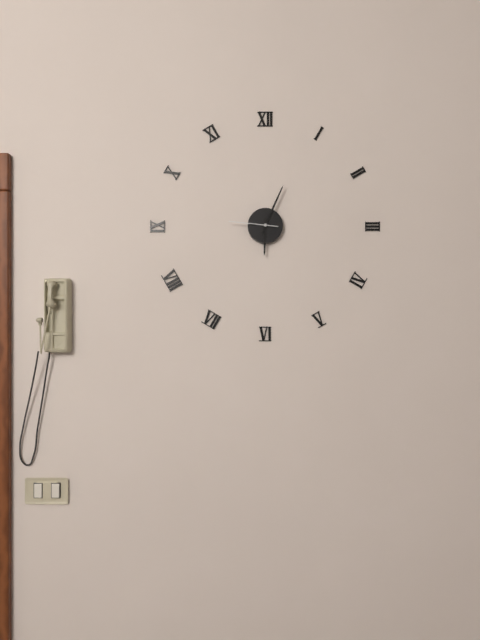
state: 6:04
